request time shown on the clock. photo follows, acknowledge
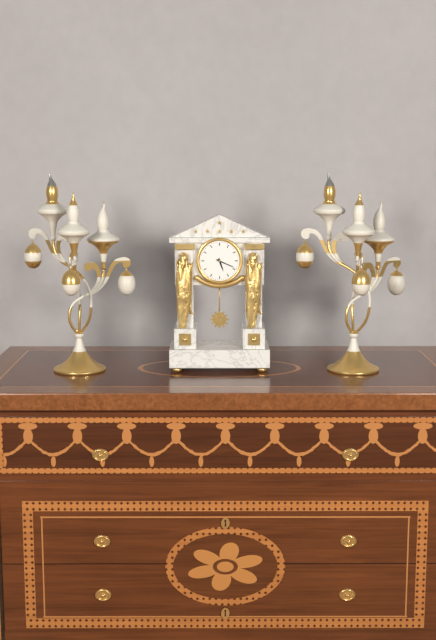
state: 5:19
